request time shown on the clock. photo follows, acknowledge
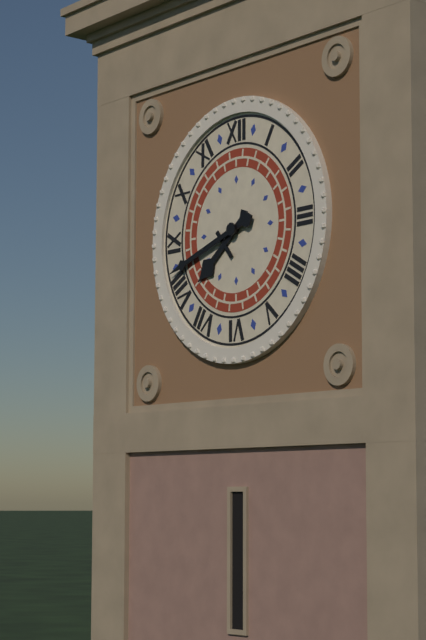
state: 7:42
